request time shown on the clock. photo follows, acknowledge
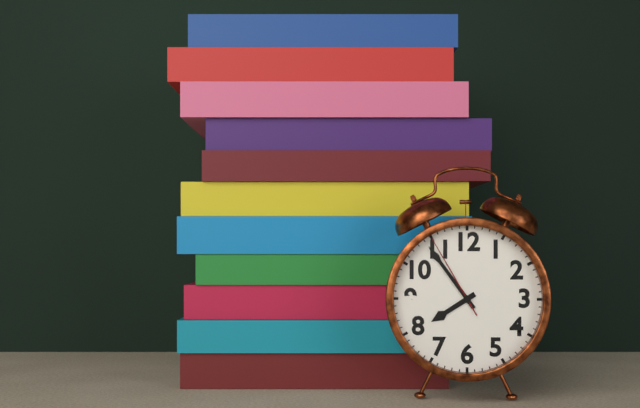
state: 7:54:55
